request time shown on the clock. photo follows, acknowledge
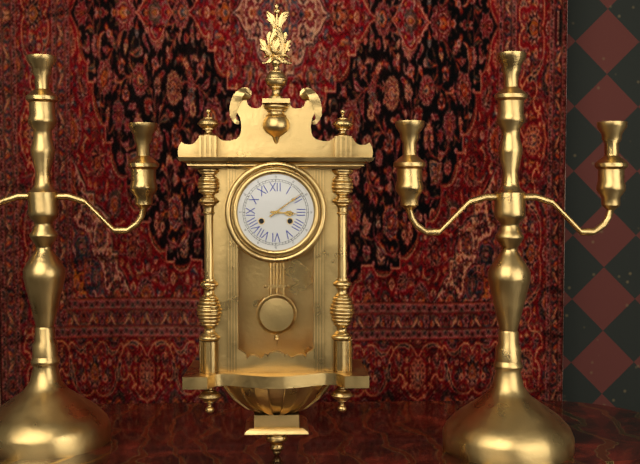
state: 3:09
